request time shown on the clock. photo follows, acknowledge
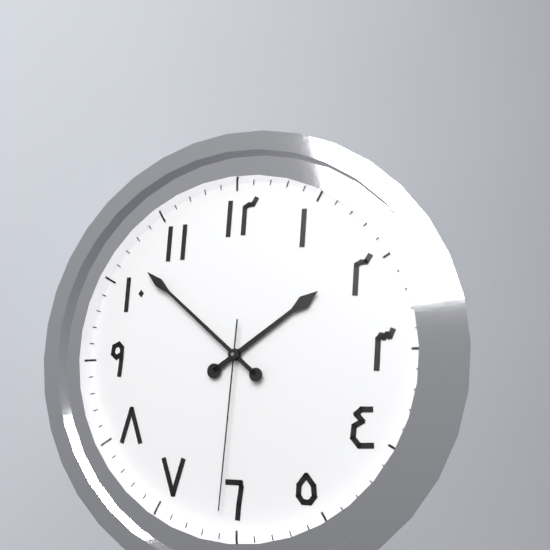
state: 1:52:31
